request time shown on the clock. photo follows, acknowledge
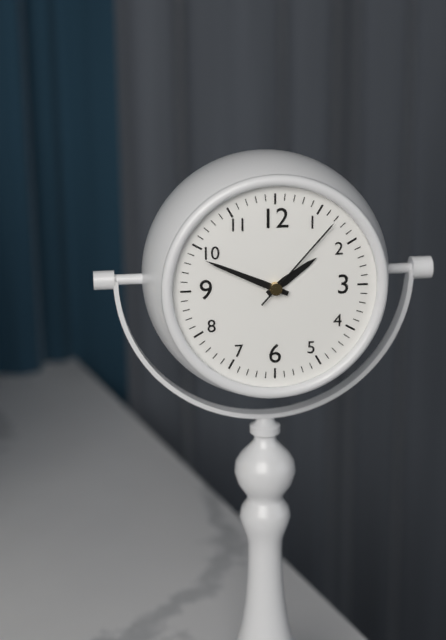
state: 1:49:07
